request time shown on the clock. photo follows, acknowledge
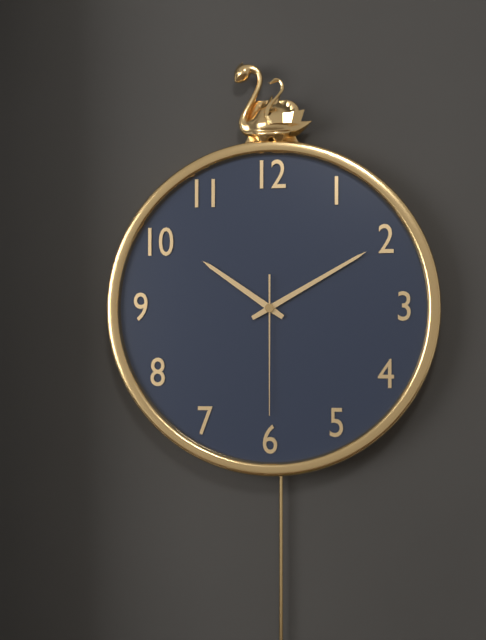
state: 10:10:30
